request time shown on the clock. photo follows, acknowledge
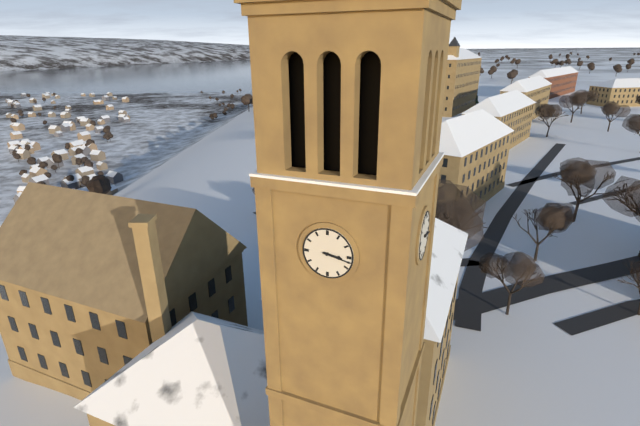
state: 3:17
